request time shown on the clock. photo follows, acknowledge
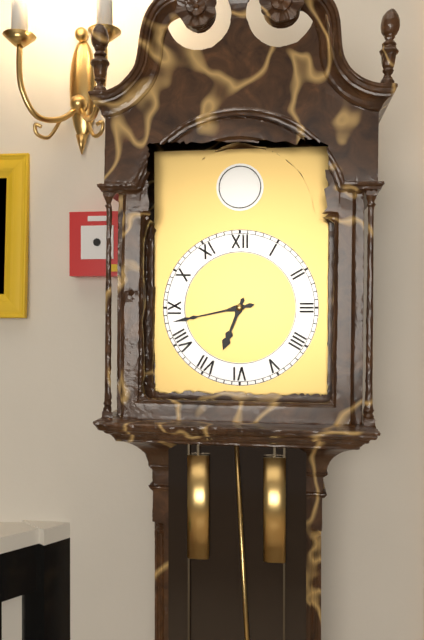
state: 6:43
